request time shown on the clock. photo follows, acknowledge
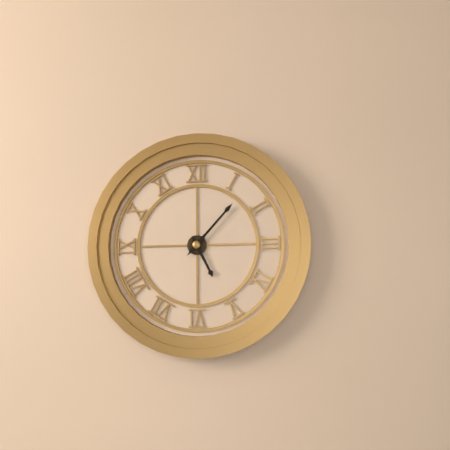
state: 5:07
